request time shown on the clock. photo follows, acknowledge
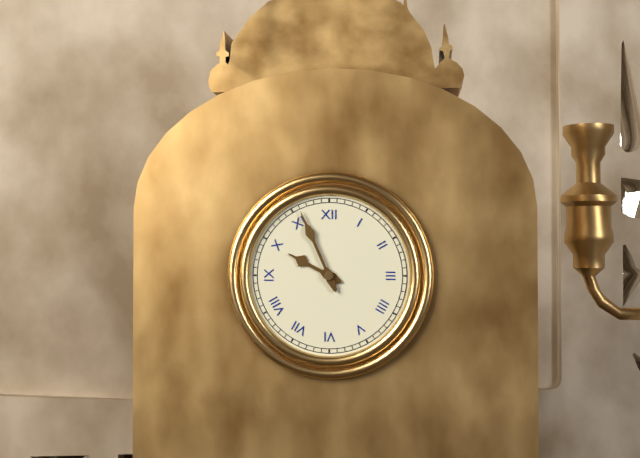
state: 9:56
